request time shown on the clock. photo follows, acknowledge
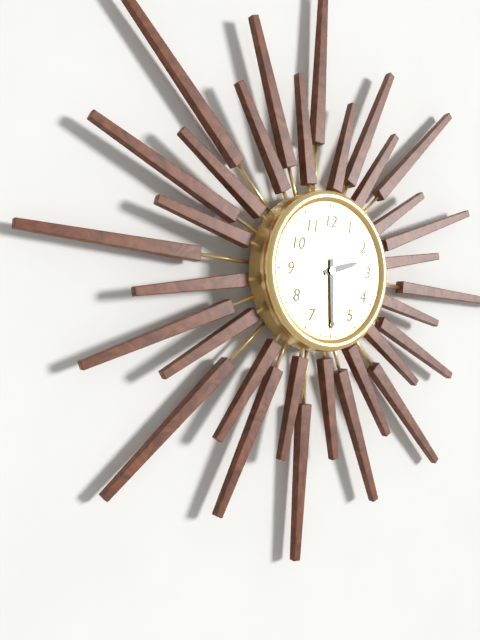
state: 2:30
